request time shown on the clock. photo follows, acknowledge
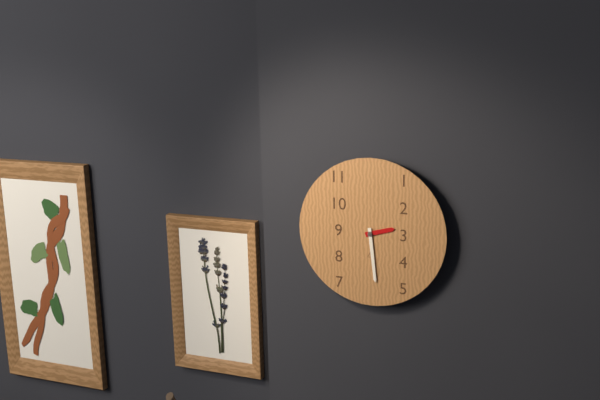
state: 2:29
